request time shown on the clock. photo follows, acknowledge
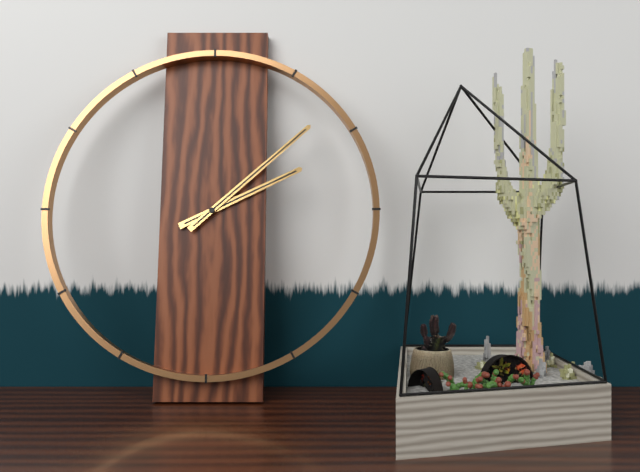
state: 2:08
